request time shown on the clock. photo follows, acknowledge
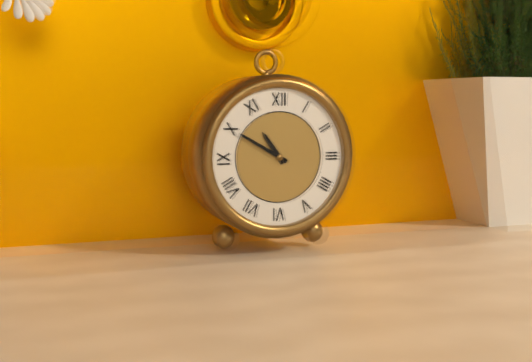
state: 10:50
